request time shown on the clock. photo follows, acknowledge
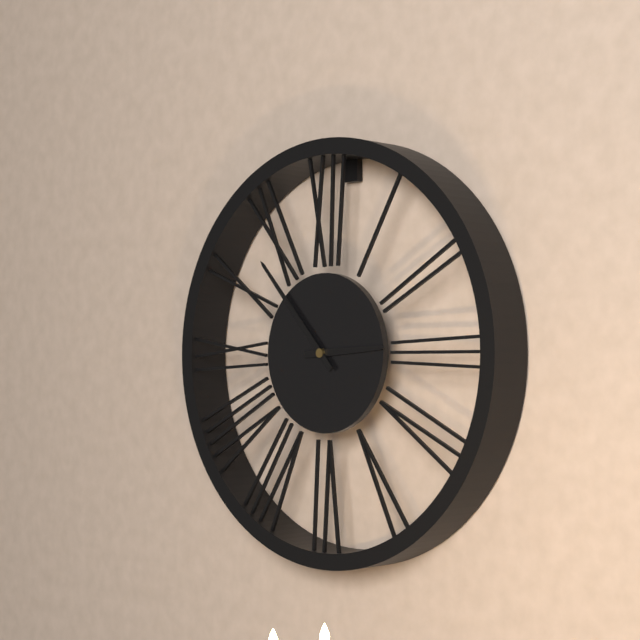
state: 2:53
